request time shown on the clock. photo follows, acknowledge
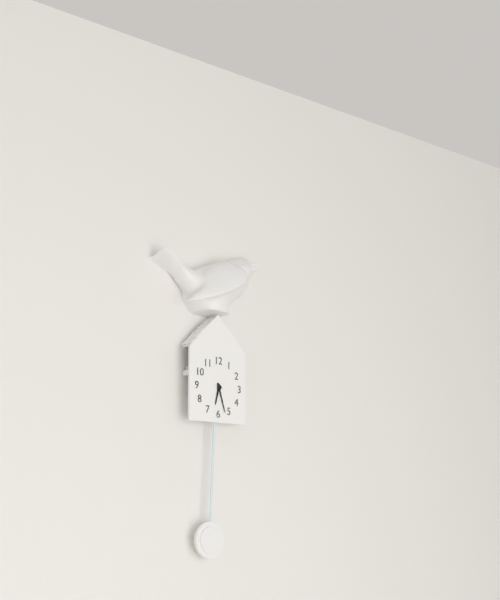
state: 6:27
